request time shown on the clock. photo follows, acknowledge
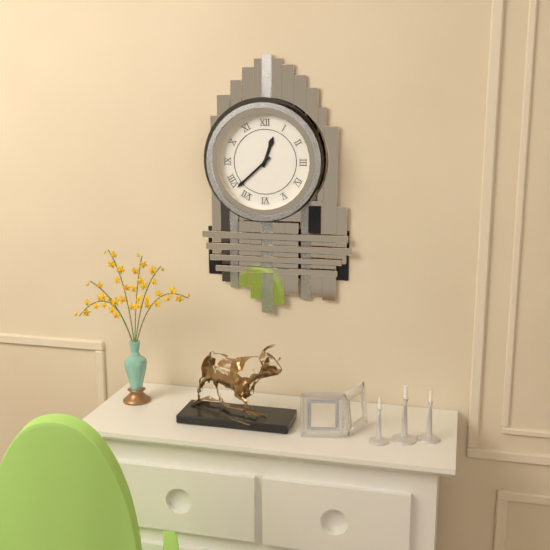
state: 12:38
